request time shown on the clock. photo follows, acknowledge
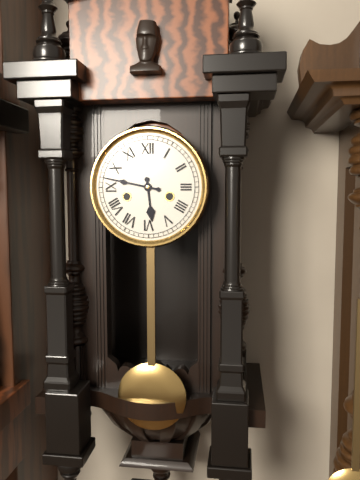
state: 5:47
